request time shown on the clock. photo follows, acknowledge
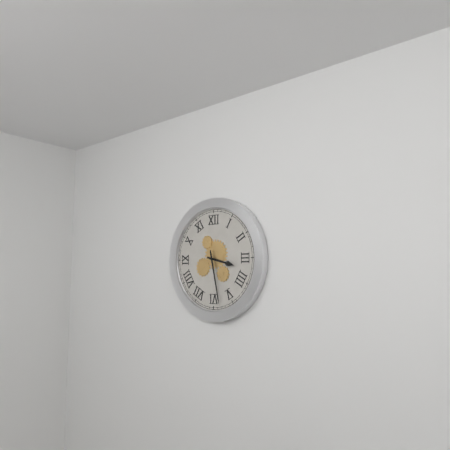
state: 3:28
